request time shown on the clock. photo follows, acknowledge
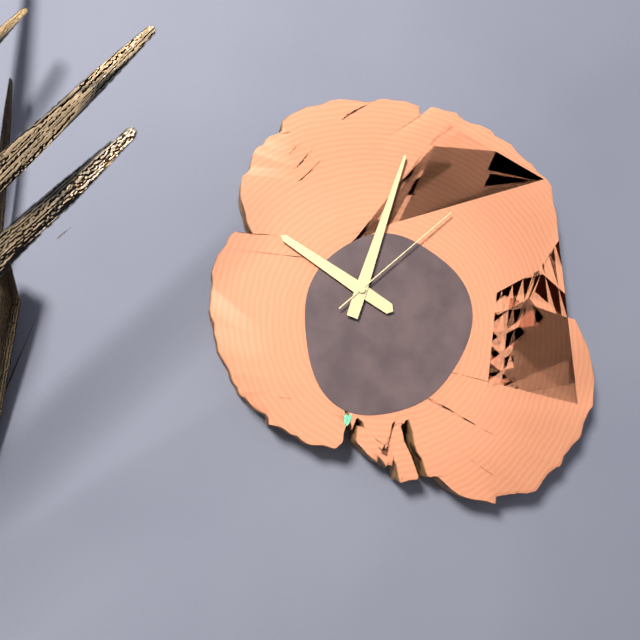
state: 10:03:08
